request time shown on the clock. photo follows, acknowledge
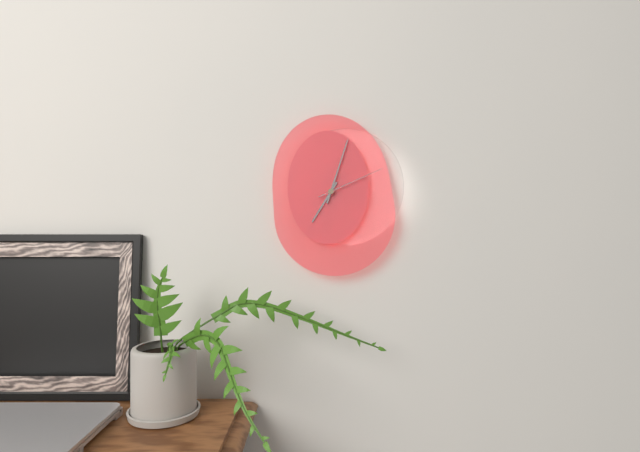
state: 7:03:11
